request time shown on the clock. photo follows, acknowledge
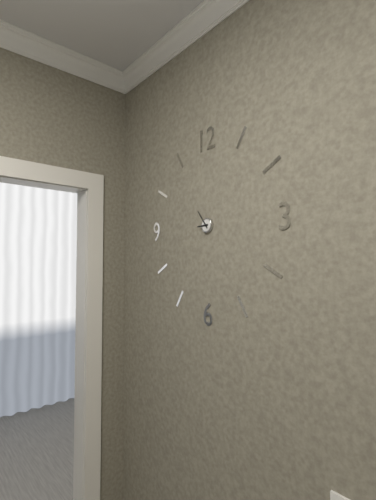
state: 8:54
